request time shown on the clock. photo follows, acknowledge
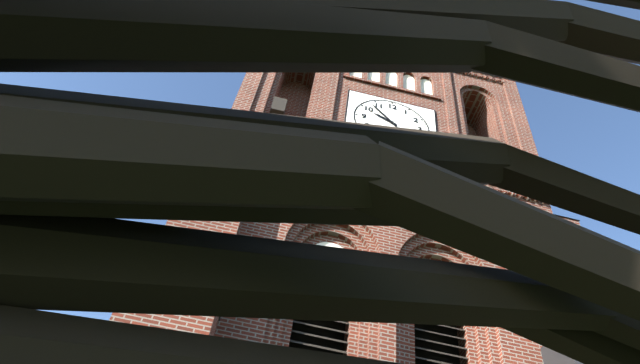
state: 9:53
